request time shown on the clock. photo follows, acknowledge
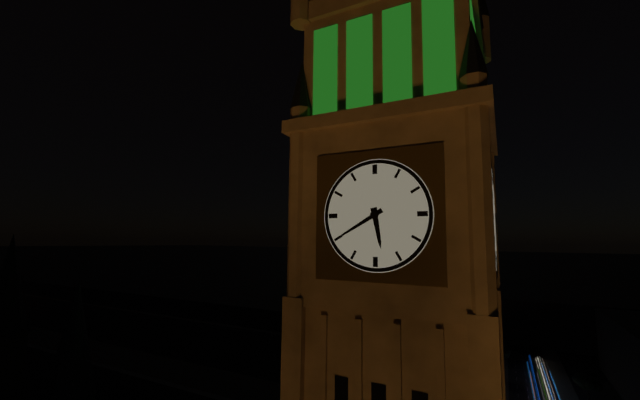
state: 5:40
